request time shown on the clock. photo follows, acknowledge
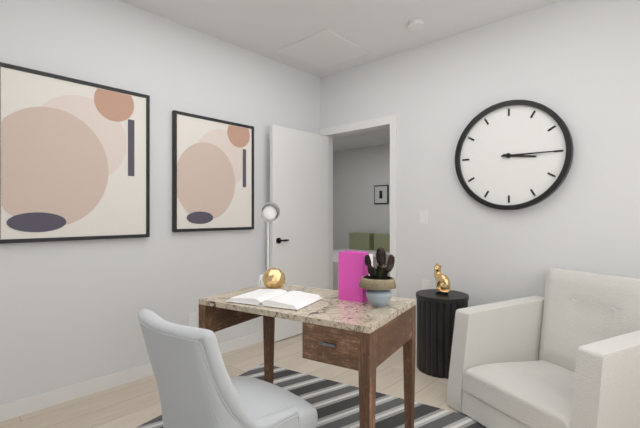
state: 3:15
